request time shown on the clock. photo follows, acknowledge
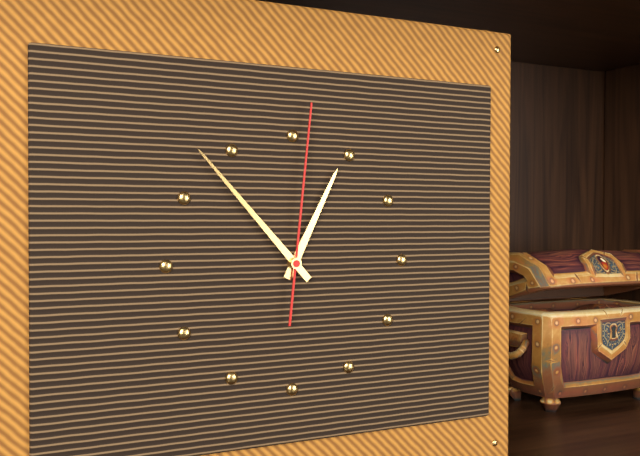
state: 12:53:01
